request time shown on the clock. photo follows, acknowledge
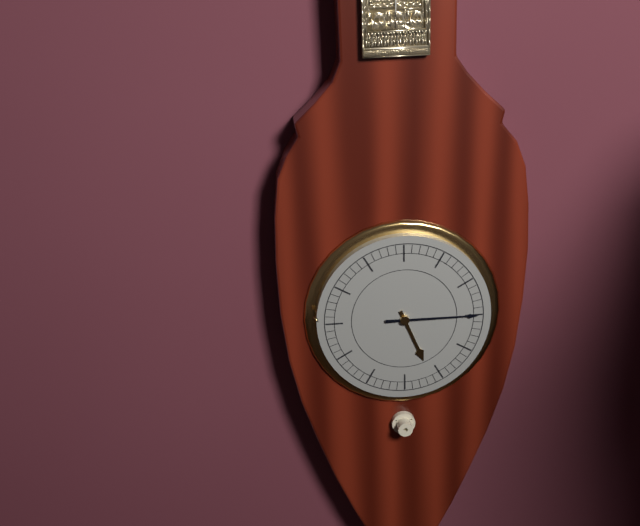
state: 5:15
